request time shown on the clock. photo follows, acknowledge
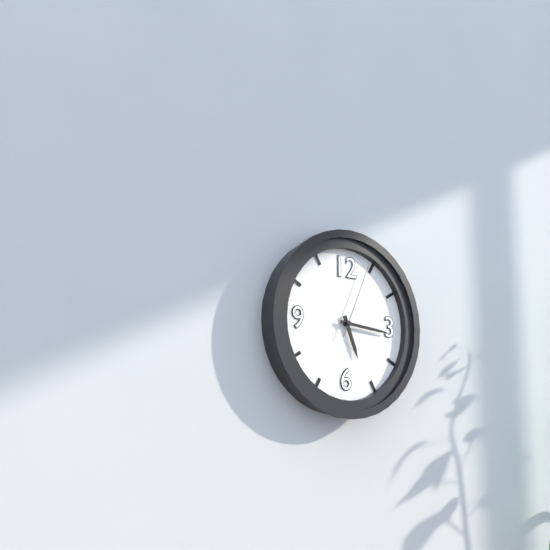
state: 5:16:04
